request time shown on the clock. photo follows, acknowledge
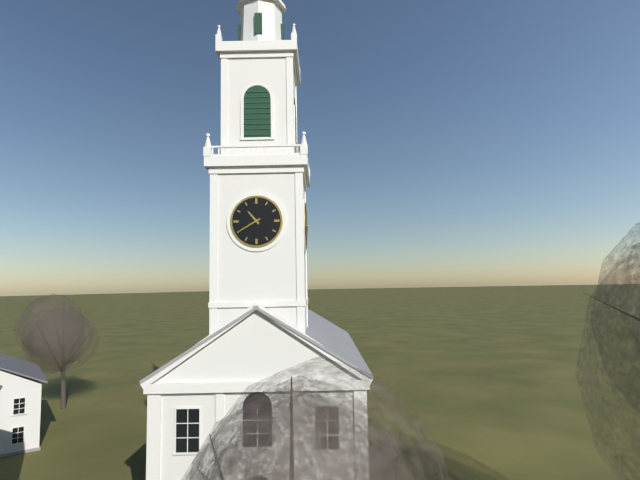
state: 10:40
